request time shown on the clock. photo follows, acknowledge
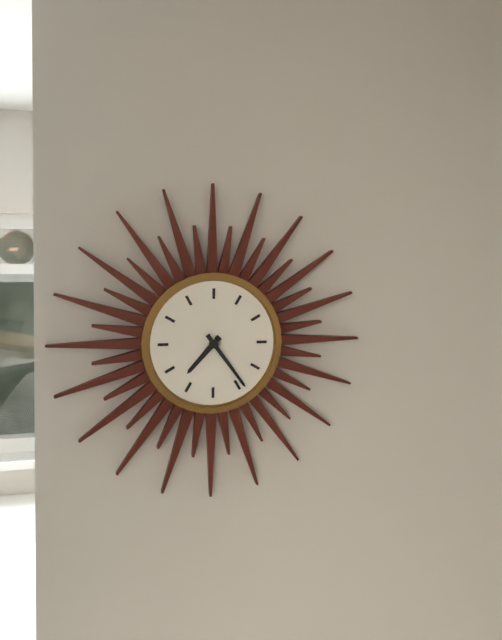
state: 7:24
